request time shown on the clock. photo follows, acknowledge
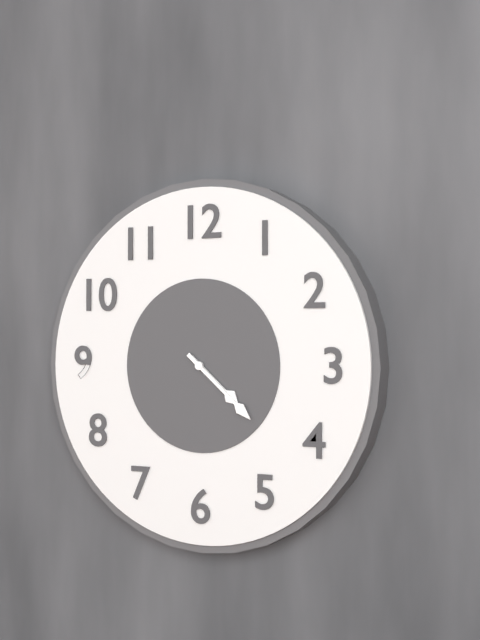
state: 4:22
